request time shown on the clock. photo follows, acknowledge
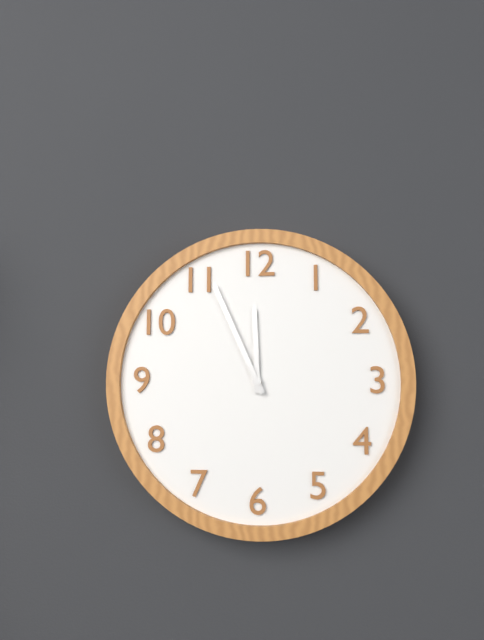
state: 11:56
